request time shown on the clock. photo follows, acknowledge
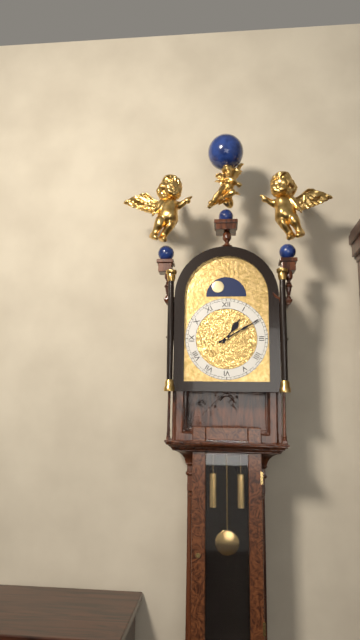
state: 1:10
